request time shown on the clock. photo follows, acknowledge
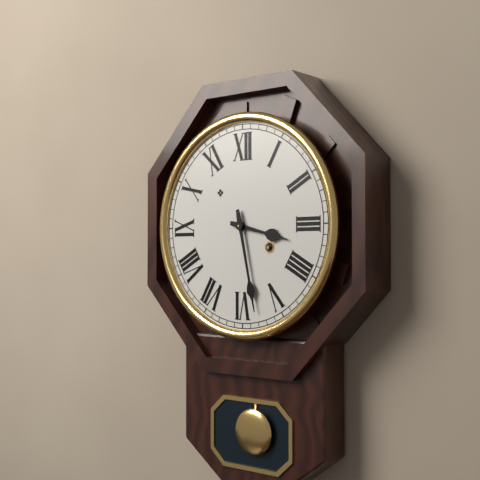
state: 3:28
